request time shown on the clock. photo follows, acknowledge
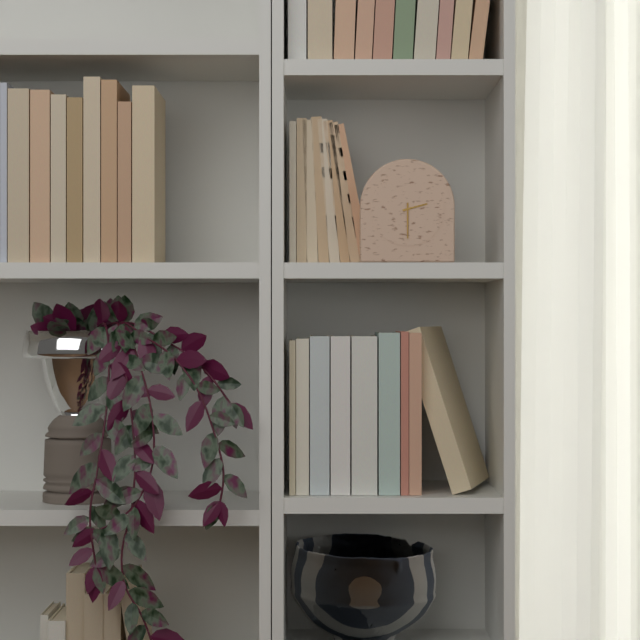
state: 2:30
